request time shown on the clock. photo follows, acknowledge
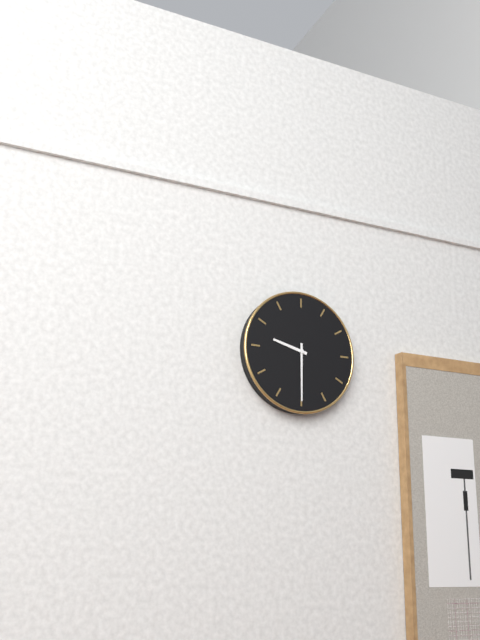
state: 9:30
